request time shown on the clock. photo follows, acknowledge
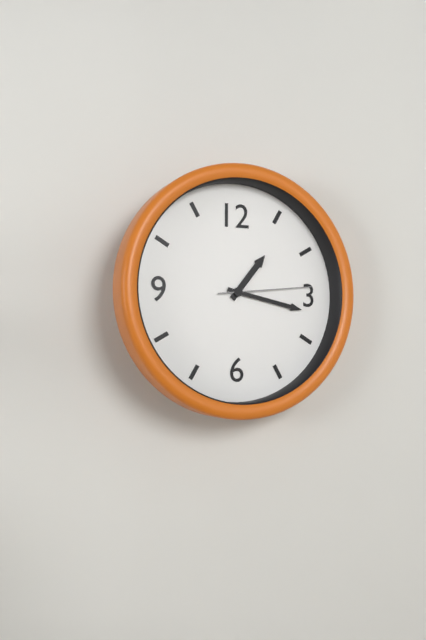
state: 1:17:14
